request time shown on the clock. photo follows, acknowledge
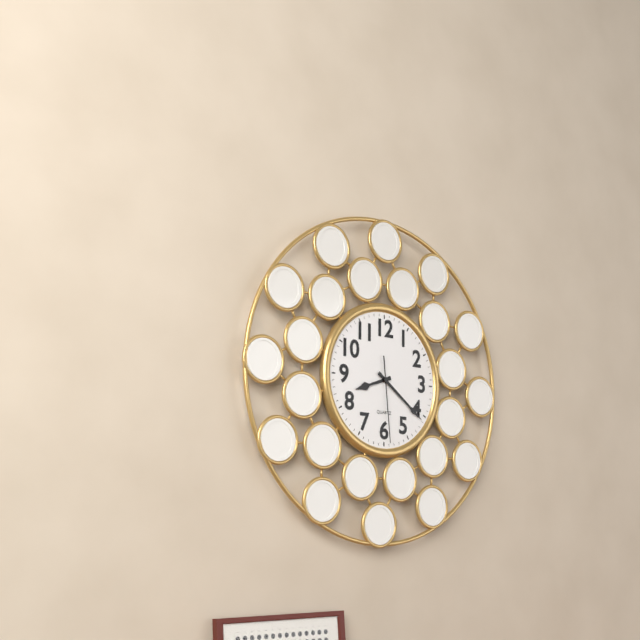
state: 8:21:29
